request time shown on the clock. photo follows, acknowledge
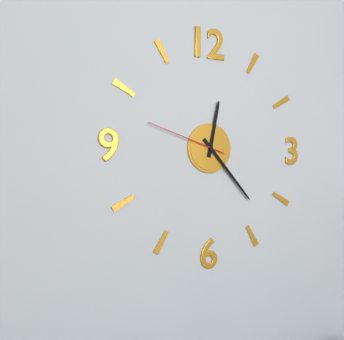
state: 12:23:48
